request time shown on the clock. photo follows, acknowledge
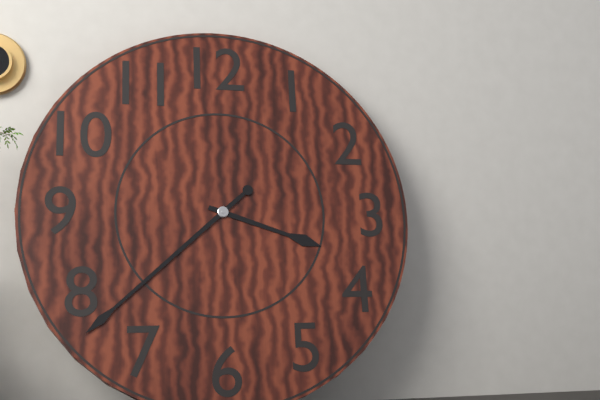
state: 3:38
